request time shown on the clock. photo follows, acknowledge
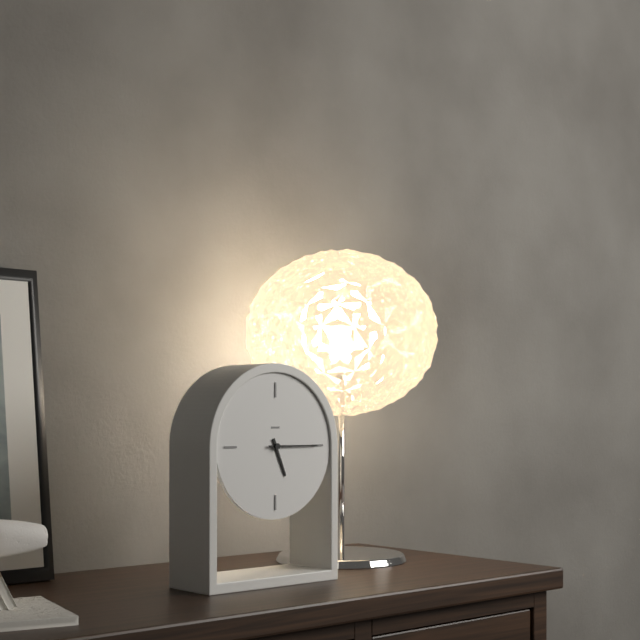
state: 5:15
